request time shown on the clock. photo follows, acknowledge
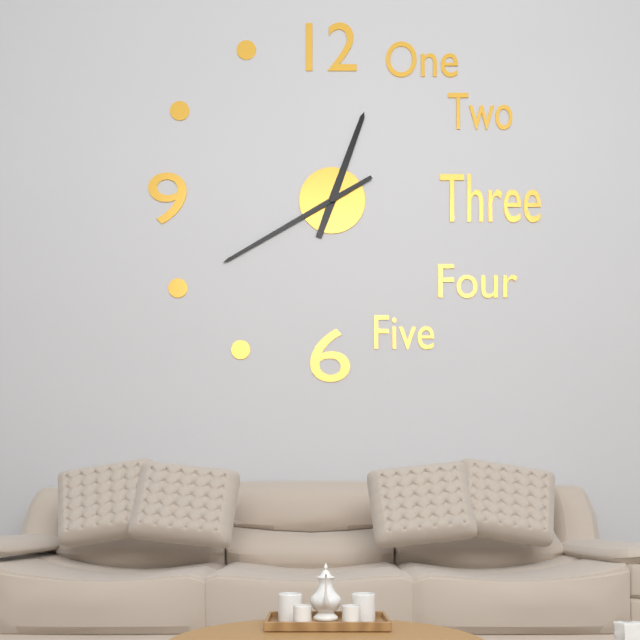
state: 12:40
